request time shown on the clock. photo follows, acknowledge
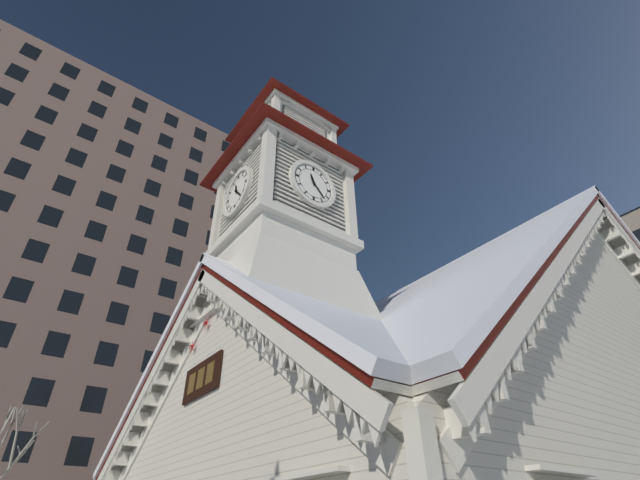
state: 11:23
